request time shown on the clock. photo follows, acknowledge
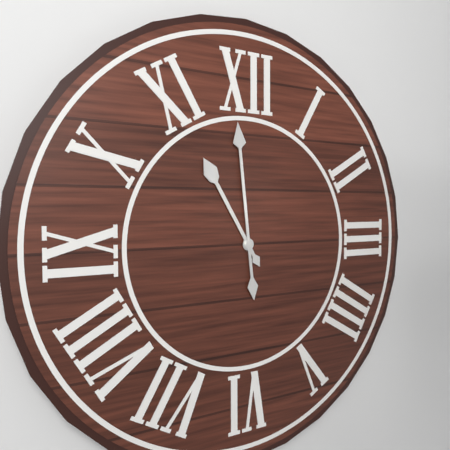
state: 10:59
